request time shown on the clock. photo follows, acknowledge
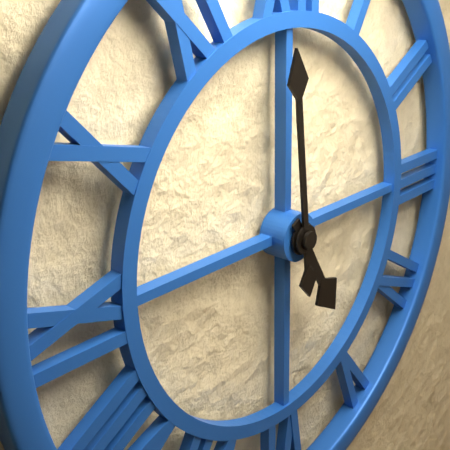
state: 4:59
